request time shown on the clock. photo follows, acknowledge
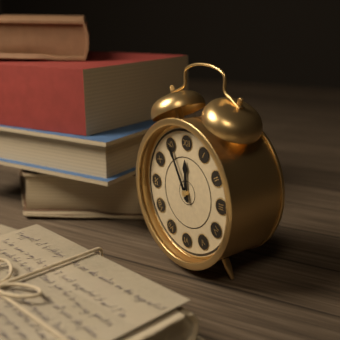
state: 11:55
